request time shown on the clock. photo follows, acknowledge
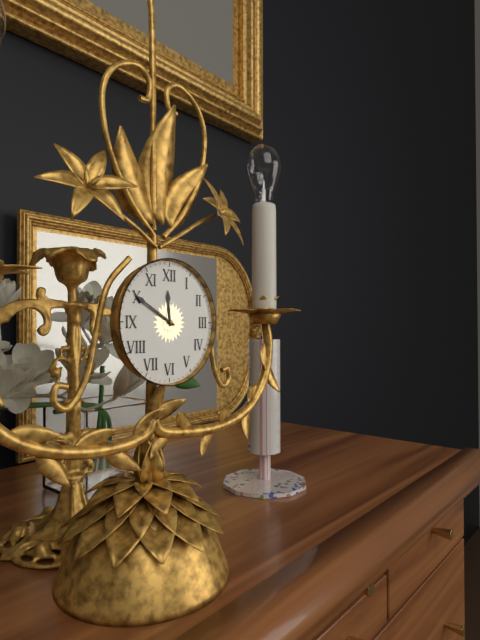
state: 11:50
